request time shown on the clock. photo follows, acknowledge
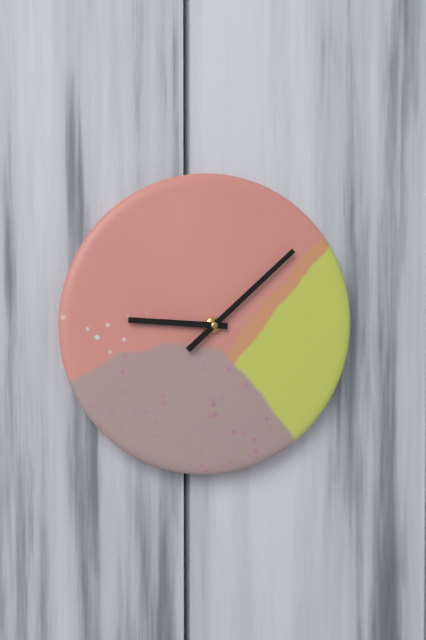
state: 9:08
